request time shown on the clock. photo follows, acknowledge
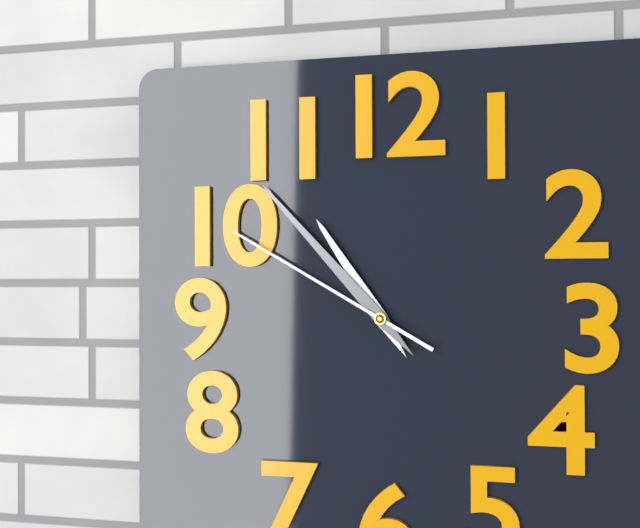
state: 10:53:50
